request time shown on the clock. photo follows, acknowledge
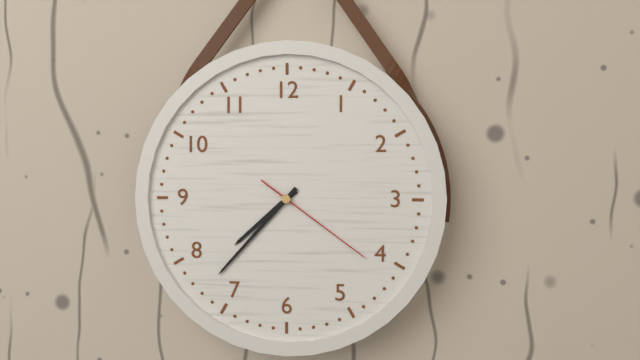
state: 7:37:21
